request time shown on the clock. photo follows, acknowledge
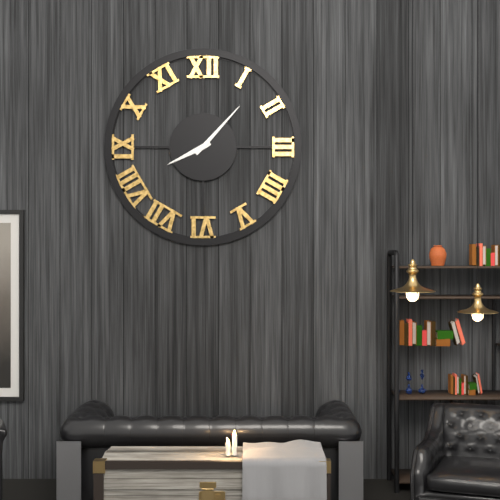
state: 8:07
